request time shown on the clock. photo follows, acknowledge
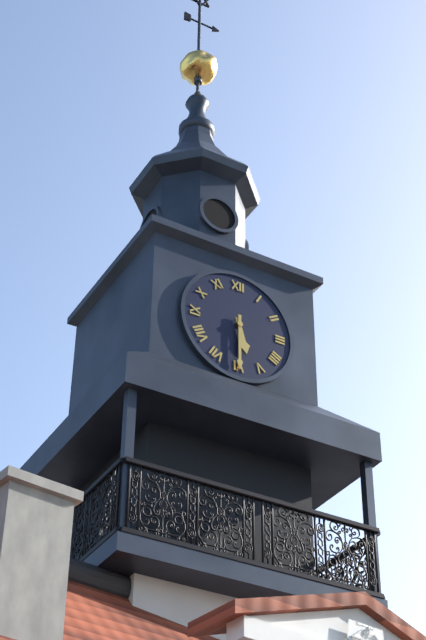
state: 5:30
